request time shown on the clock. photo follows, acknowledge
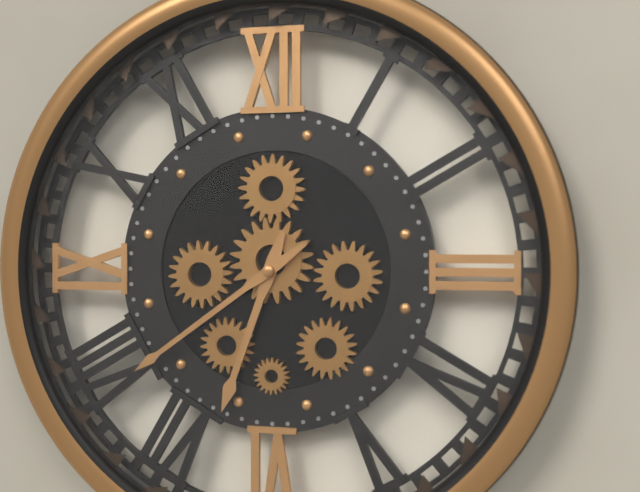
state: 6:39
